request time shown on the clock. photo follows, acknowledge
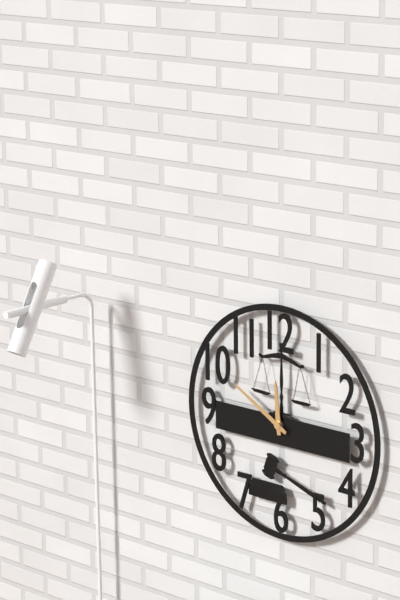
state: 11:50
